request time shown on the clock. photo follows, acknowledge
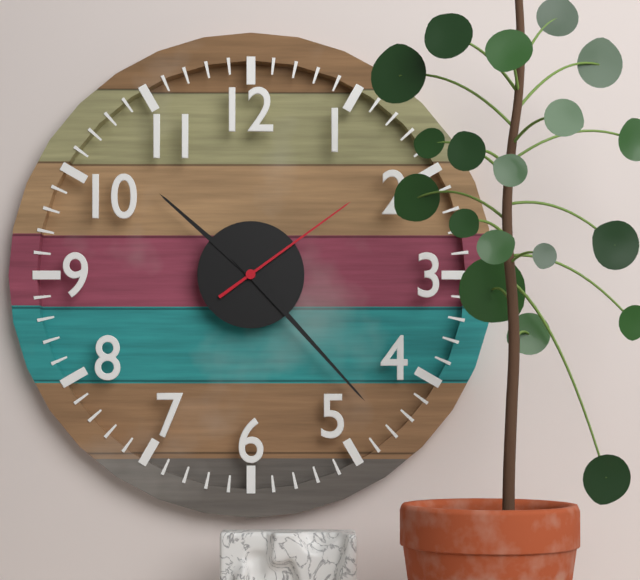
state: 10:23:09
